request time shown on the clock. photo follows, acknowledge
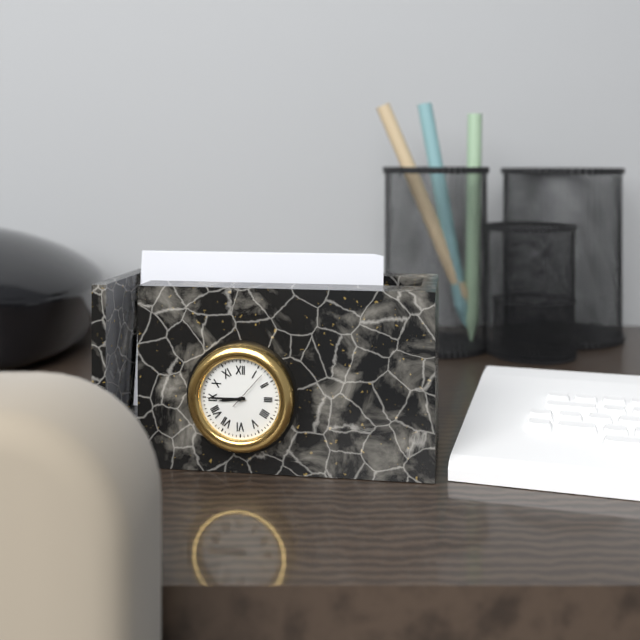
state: 8:45
